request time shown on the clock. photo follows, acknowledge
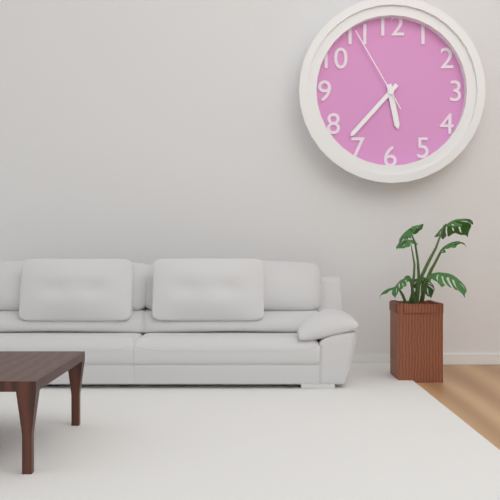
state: 5:37:55
